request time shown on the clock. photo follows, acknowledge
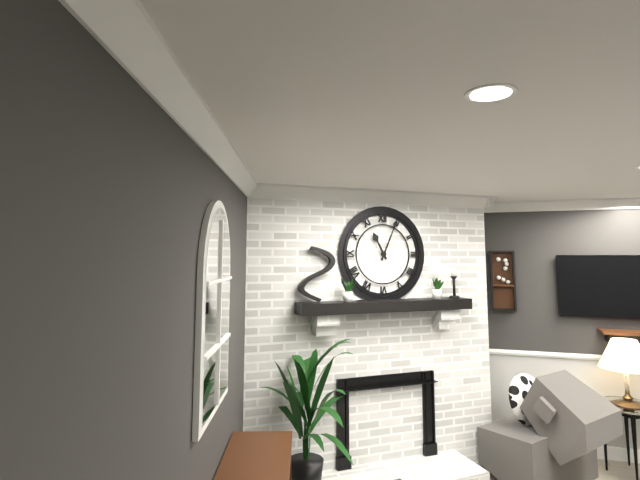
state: 11:04
